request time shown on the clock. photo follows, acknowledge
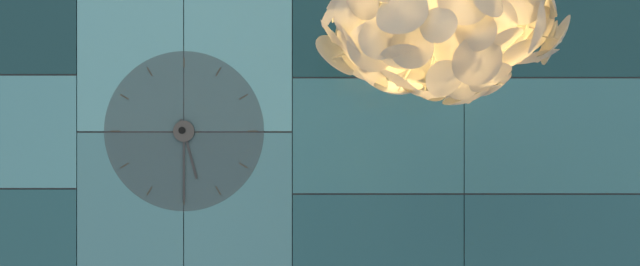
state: 5:30
